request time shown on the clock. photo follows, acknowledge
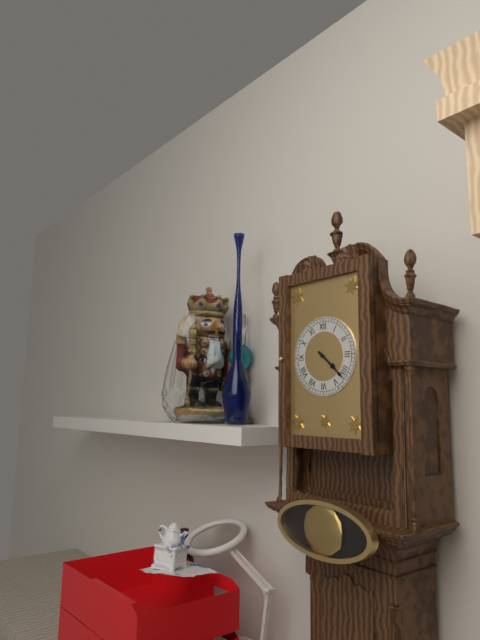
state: 4:22
